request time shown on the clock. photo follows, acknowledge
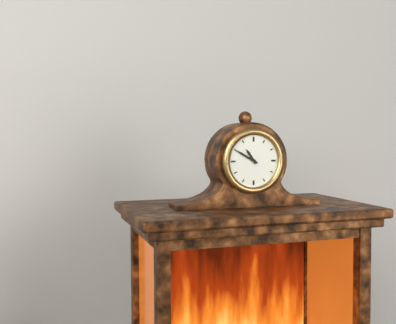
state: 10:50
